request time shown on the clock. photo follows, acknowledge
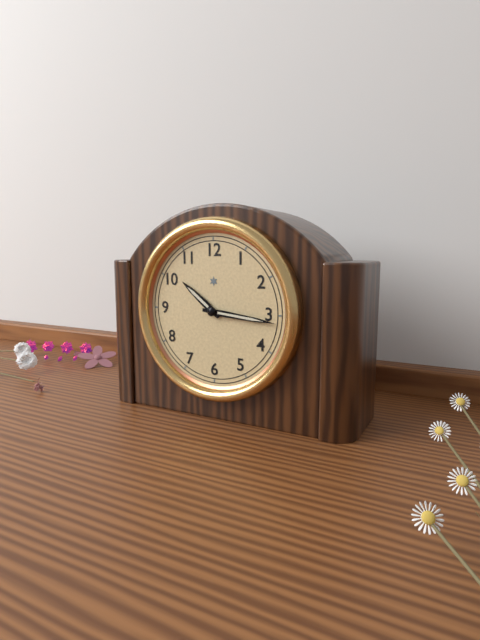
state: 10:16
